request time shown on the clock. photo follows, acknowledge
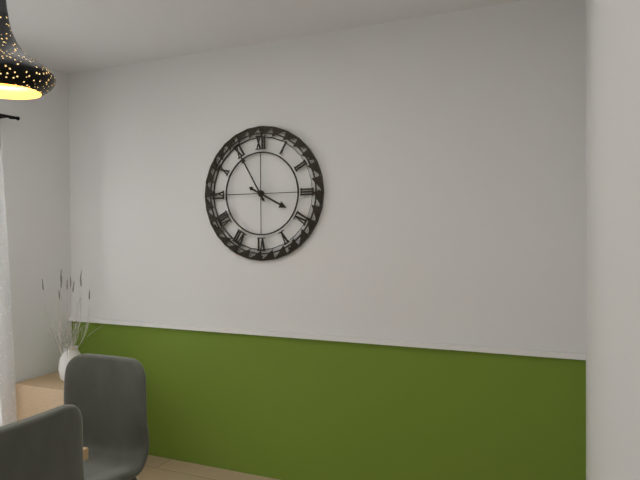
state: 3:55
